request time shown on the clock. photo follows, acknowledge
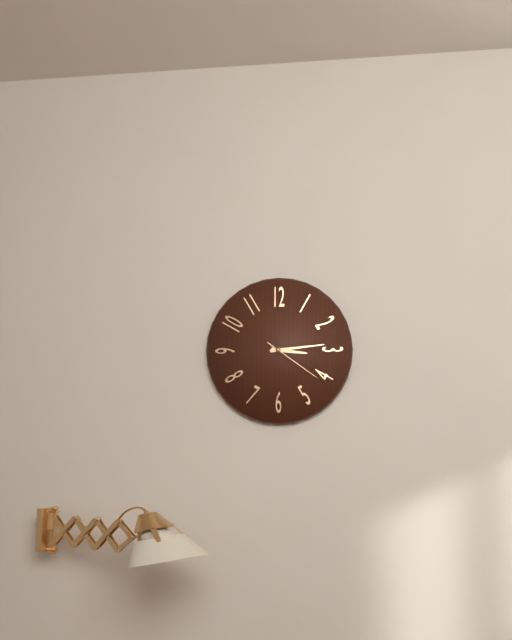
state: 3:14:21
